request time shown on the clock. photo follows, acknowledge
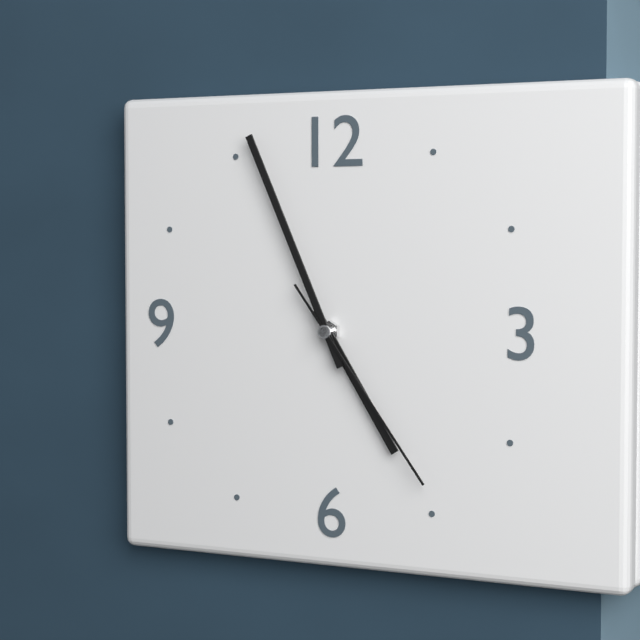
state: 4:56:24
